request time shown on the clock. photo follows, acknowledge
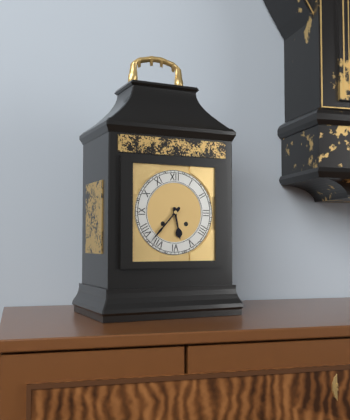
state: 5:37
